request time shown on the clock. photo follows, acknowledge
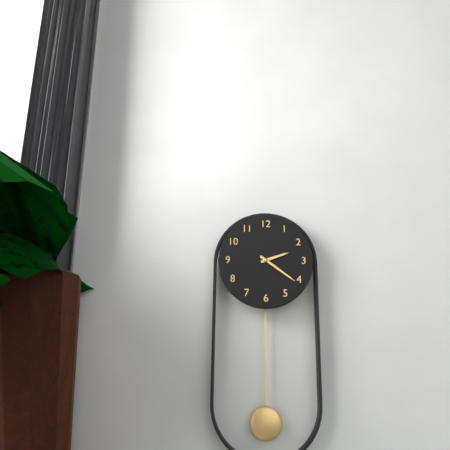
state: 2:21
